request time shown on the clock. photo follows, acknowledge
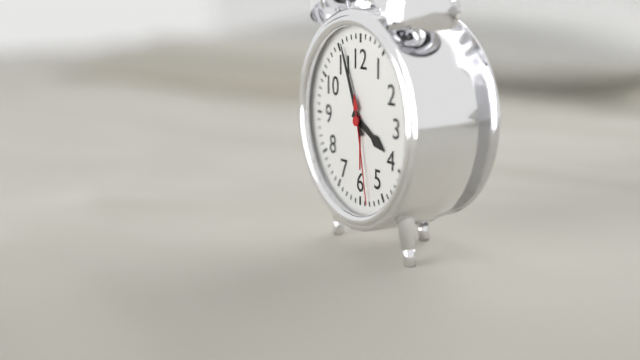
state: 3:56:28
